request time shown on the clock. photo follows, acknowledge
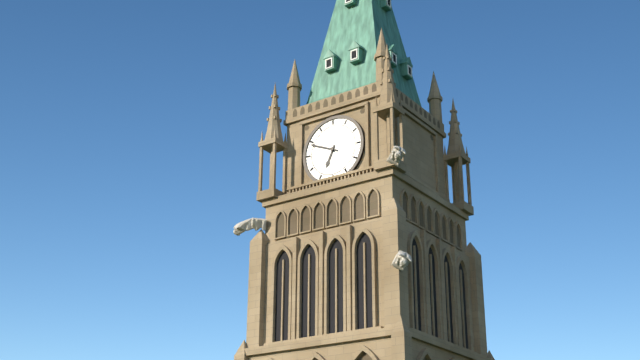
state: 6:49
